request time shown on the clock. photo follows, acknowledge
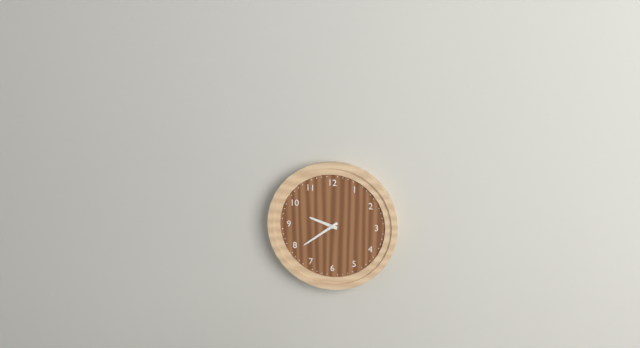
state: 9:39
